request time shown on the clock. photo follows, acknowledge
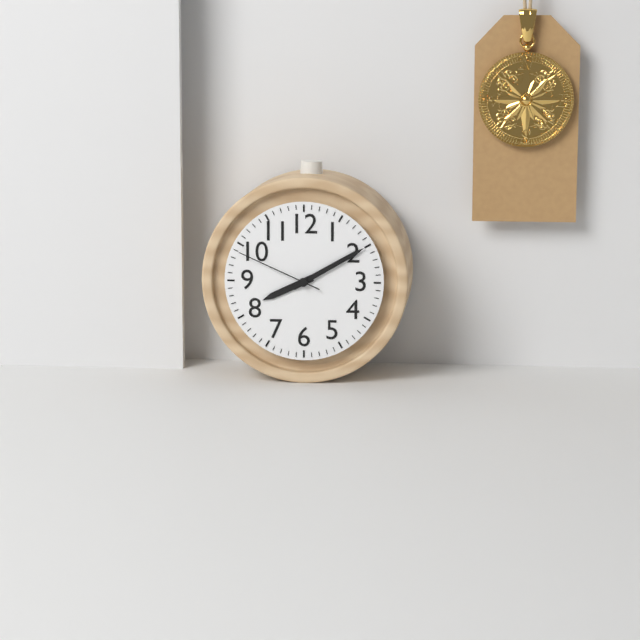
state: 8:10:49
